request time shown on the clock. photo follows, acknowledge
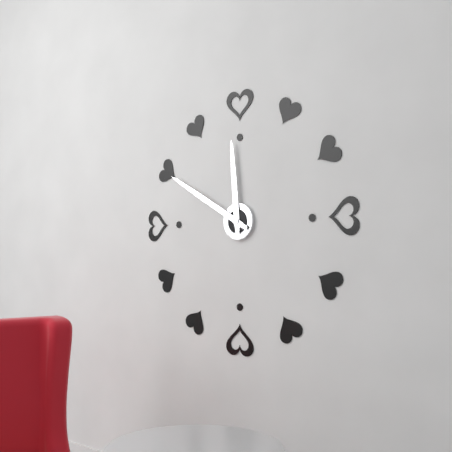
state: 11:50
